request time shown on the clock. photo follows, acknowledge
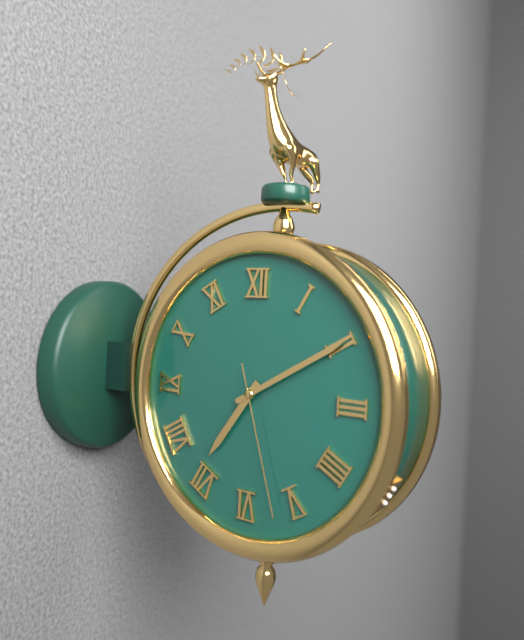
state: 7:10:27
